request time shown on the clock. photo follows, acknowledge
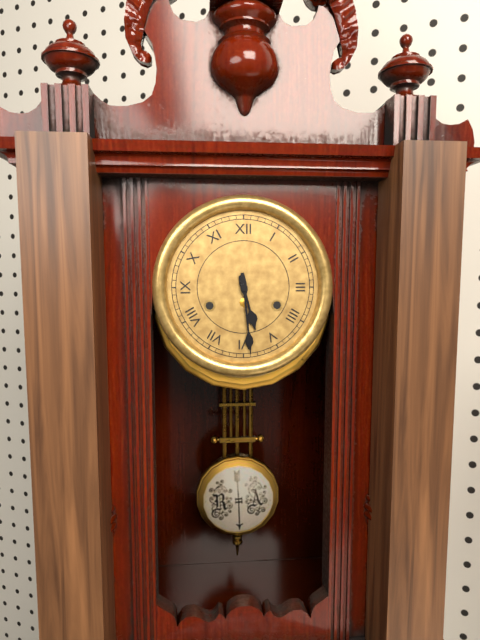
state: 5:29
